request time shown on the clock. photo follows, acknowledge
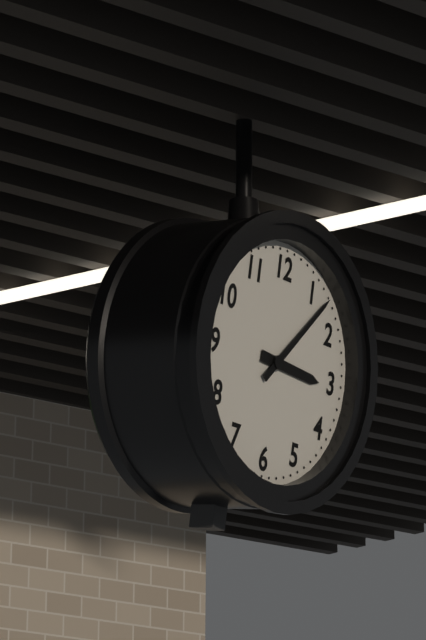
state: 3:07
